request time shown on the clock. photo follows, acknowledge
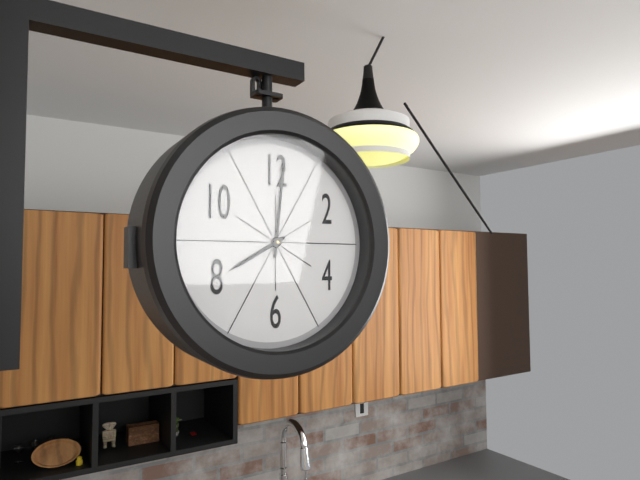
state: 8:01
